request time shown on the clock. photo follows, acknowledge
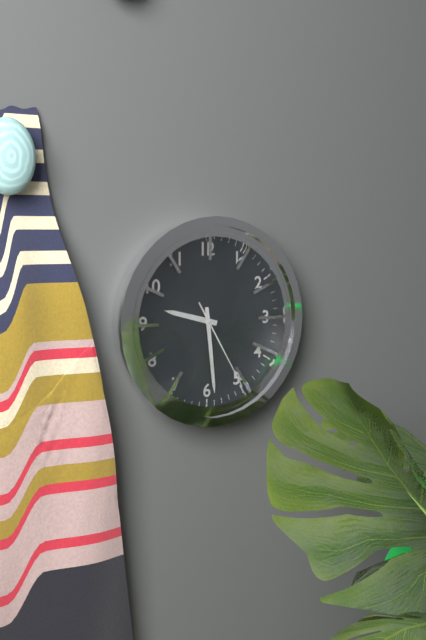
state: 9:29:25
